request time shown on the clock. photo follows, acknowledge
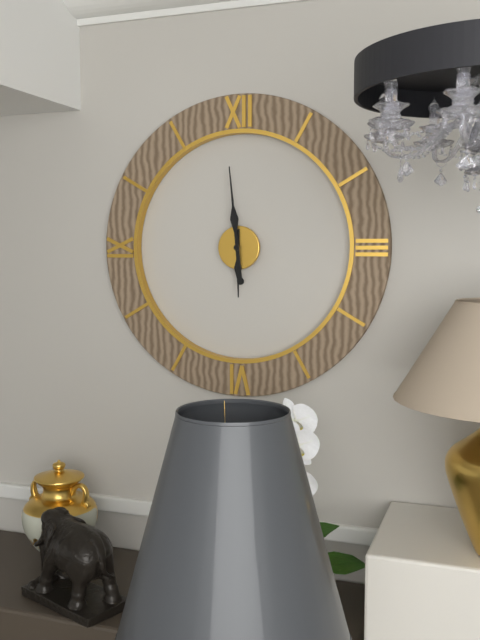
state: 5:59
